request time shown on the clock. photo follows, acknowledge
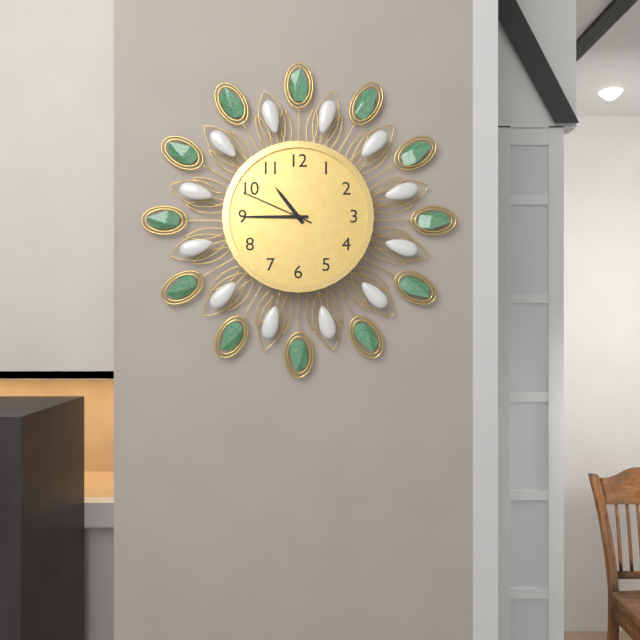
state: 10:45:49
